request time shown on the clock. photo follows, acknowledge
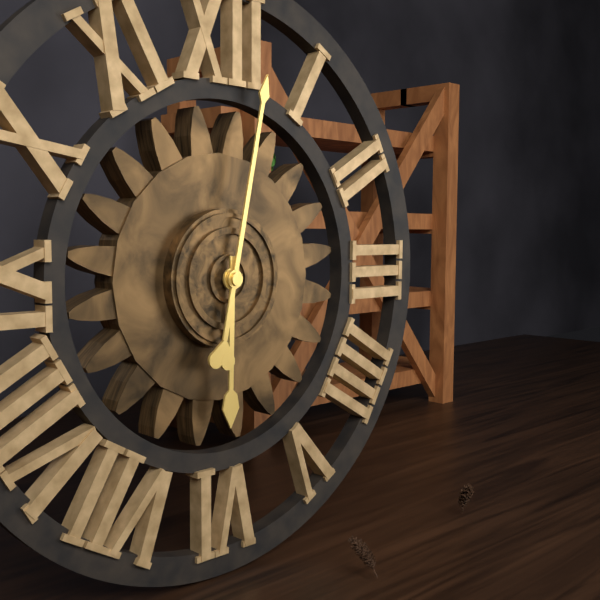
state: 6:02
